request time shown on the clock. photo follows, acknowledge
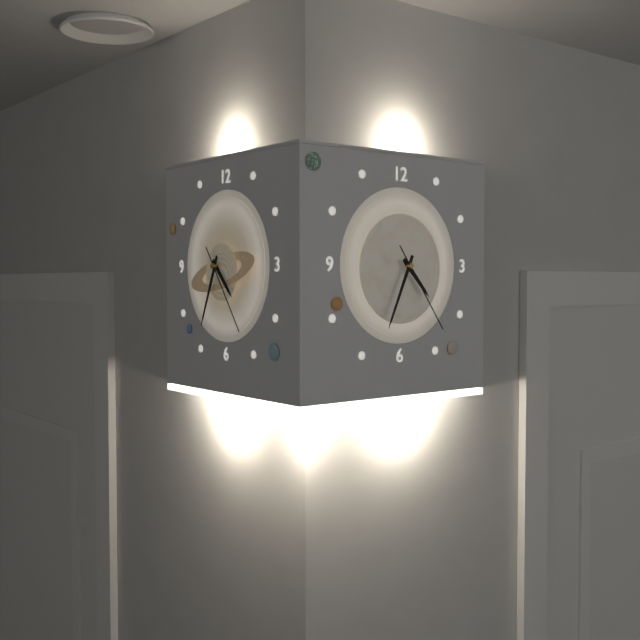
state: 4:34:24
